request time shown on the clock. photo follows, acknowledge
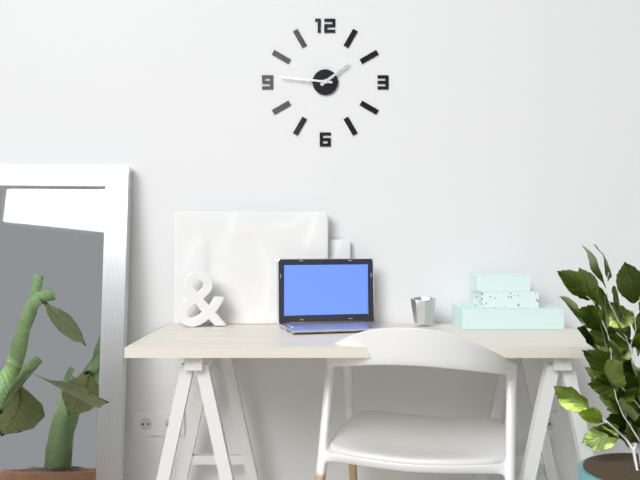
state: 1:46
